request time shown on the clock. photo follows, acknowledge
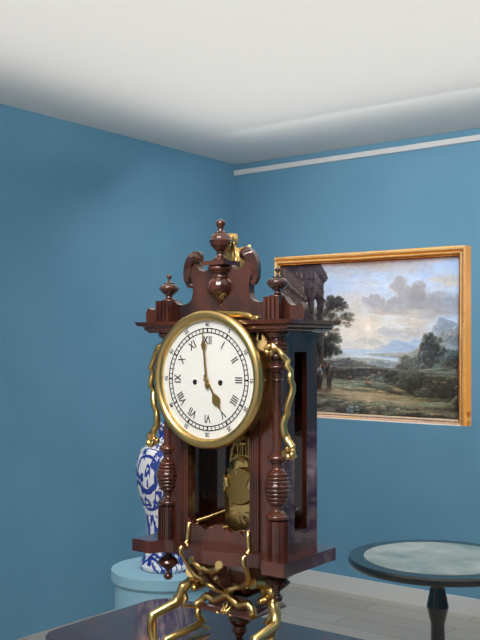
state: 4:59
